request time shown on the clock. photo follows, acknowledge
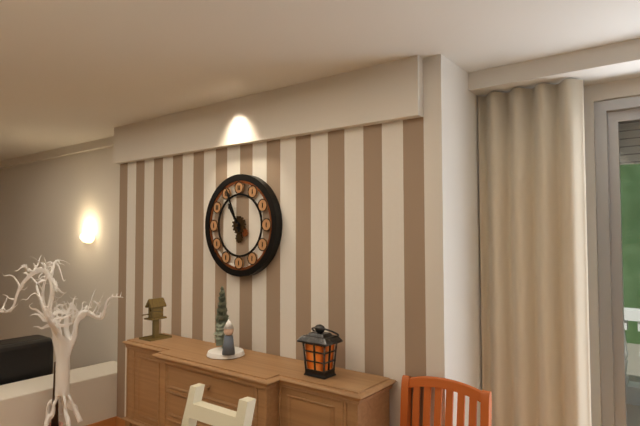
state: 10:56
